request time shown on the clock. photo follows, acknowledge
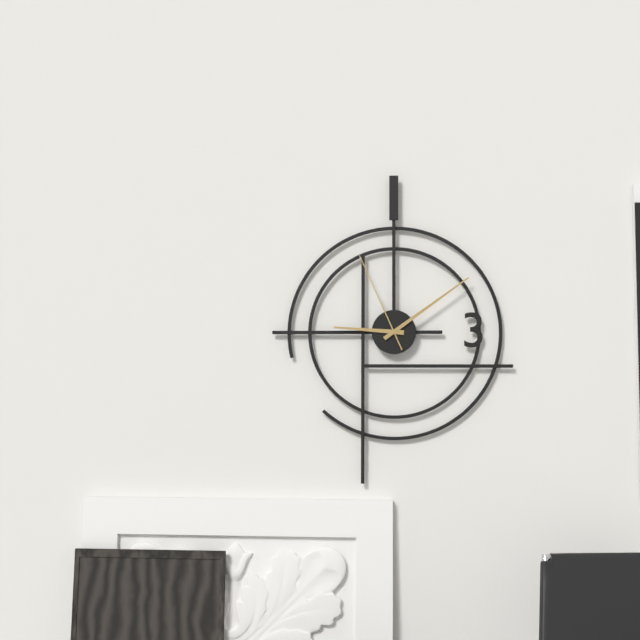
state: 9:09:56
